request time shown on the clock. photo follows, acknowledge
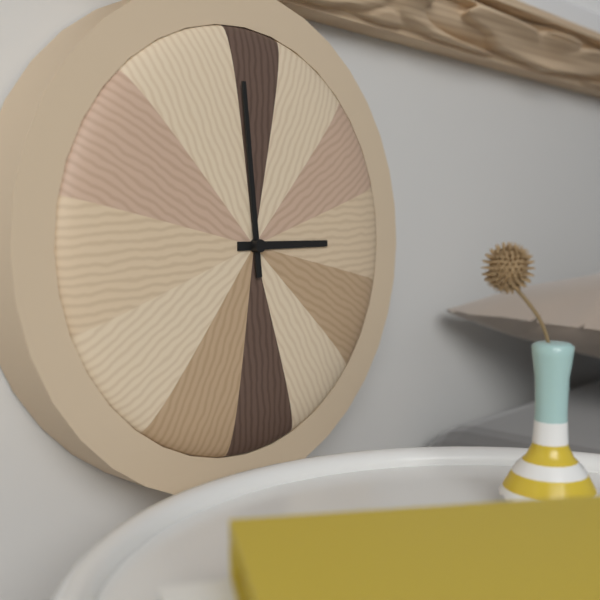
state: 2:59
